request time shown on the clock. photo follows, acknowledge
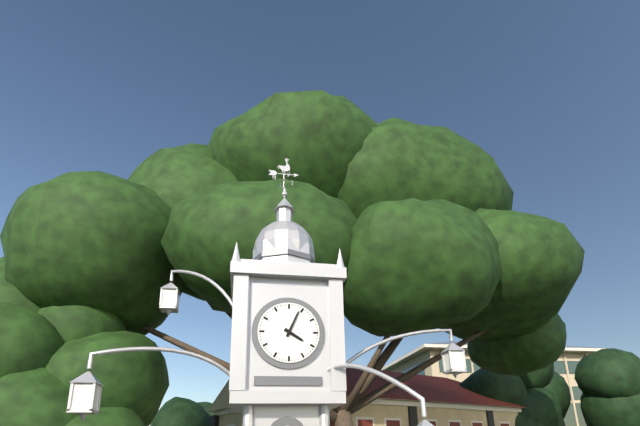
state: 4:04
